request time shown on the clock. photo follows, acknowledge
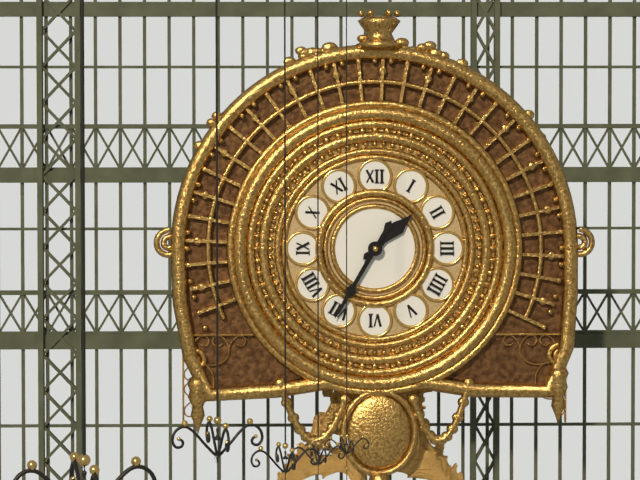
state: 1:35
